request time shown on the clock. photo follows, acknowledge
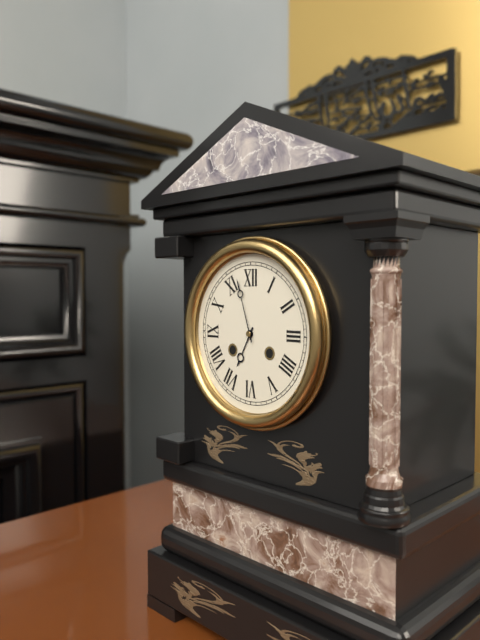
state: 6:57
